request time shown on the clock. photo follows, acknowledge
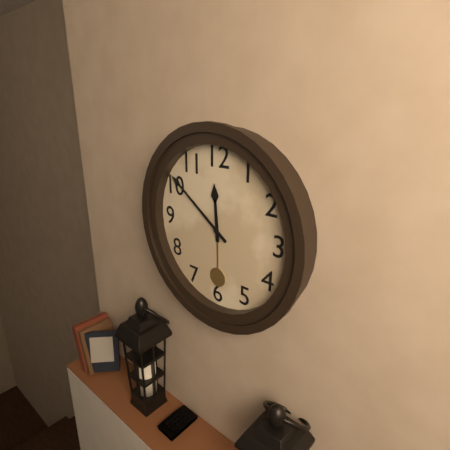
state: 11:51
